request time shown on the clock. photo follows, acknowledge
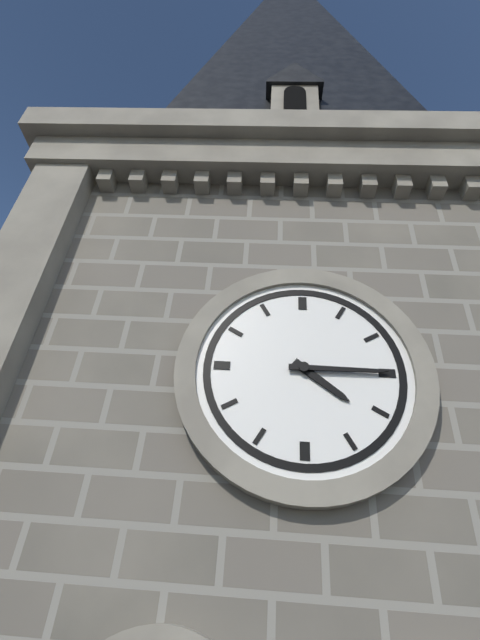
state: 4:15
